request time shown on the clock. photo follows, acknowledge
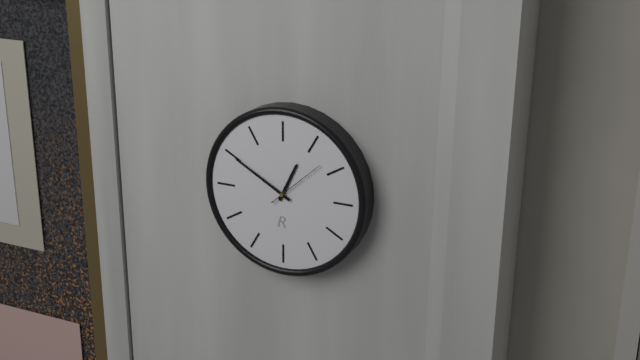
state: 12:50
